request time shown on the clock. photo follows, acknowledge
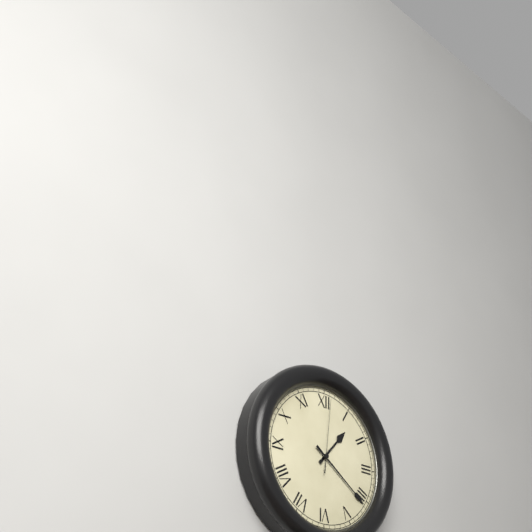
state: 1:21:01
